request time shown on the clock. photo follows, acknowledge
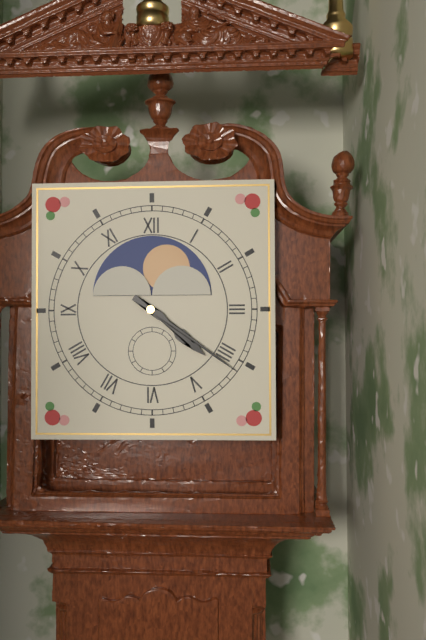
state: 4:21
